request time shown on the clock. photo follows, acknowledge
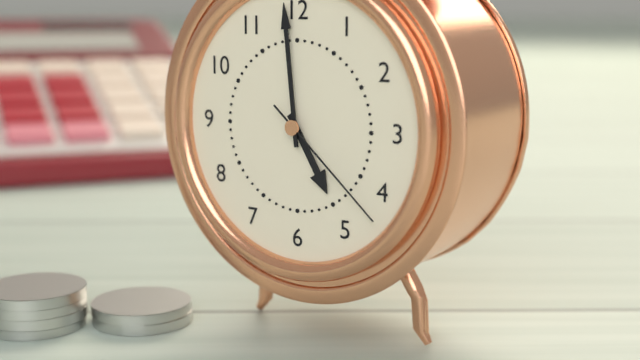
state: 4:59:22
